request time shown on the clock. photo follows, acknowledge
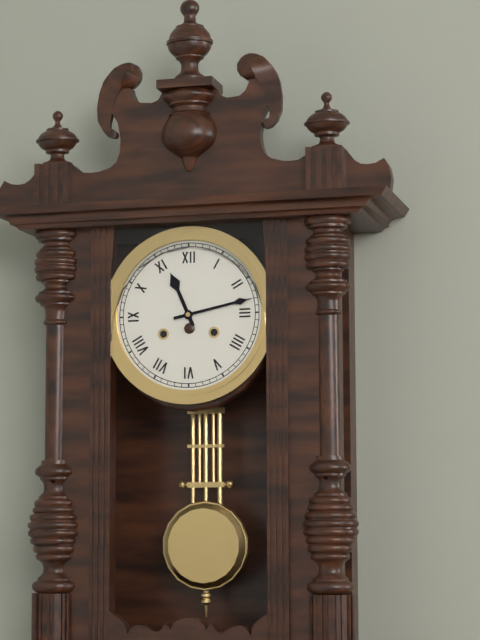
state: 11:13
